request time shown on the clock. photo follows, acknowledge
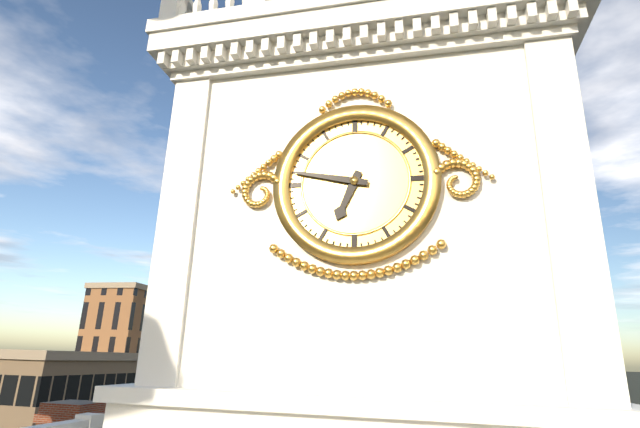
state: 6:47
